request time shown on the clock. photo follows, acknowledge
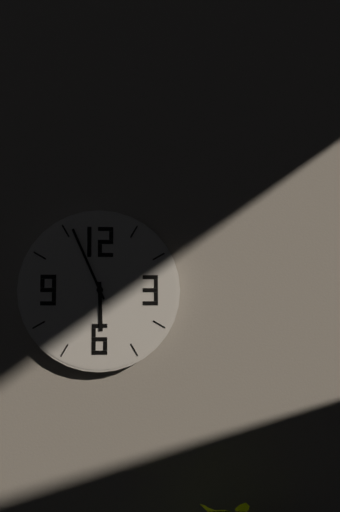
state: 5:56
